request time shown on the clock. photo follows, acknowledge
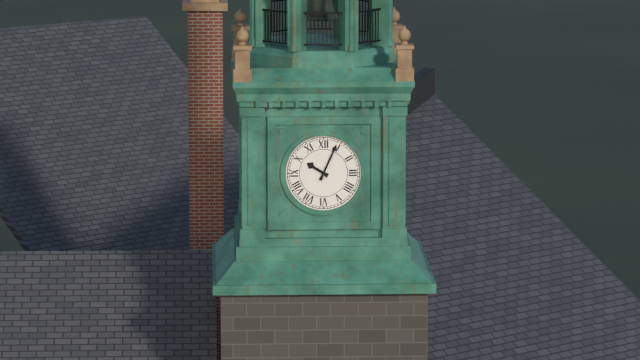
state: 10:04
